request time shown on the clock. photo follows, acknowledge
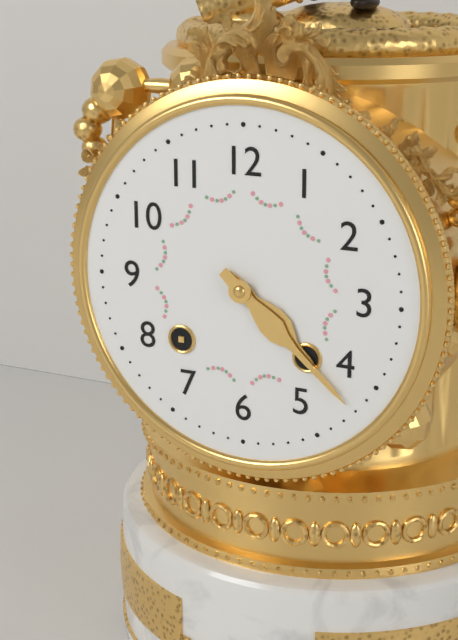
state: 4:22
